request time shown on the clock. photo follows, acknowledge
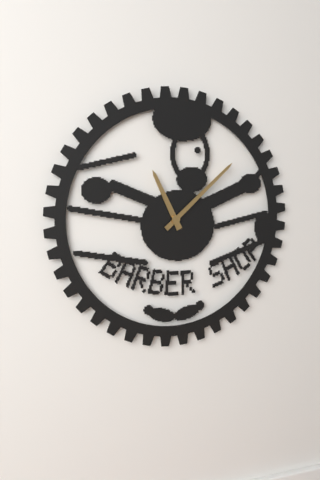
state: 11:08
